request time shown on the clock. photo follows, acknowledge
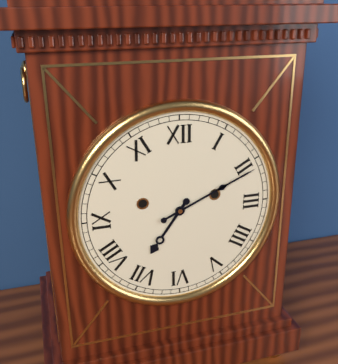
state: 7:11
